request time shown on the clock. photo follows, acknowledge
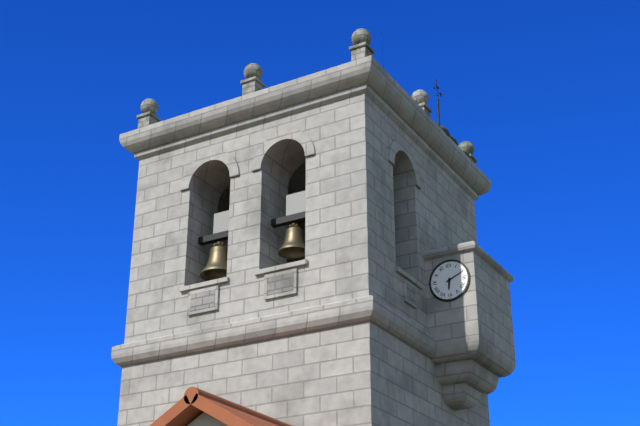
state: 6:11
